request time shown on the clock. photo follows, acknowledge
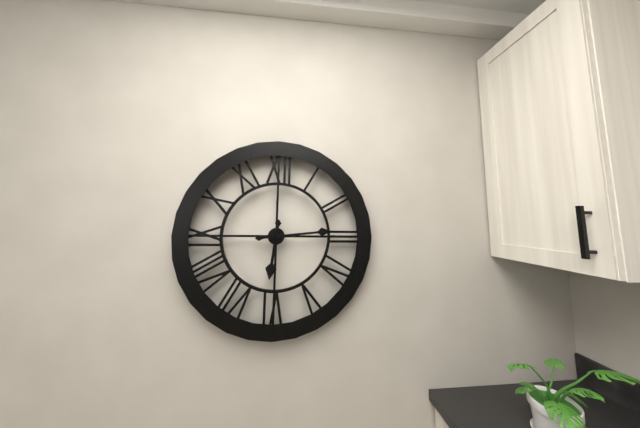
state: 6:14
